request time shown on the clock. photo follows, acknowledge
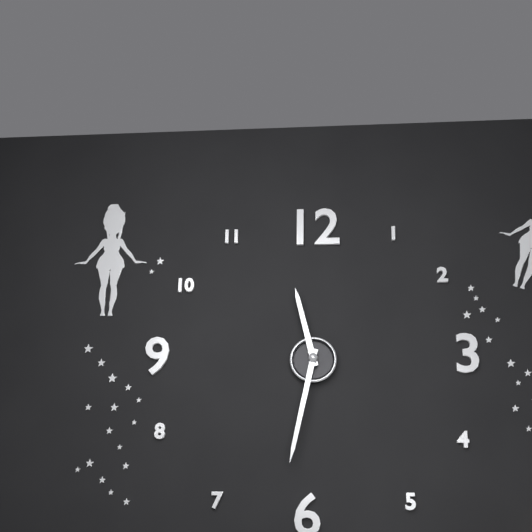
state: 11:32
